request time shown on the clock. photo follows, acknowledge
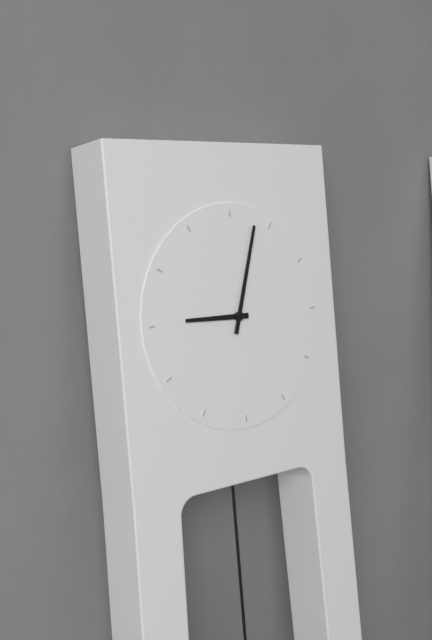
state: 9:03
